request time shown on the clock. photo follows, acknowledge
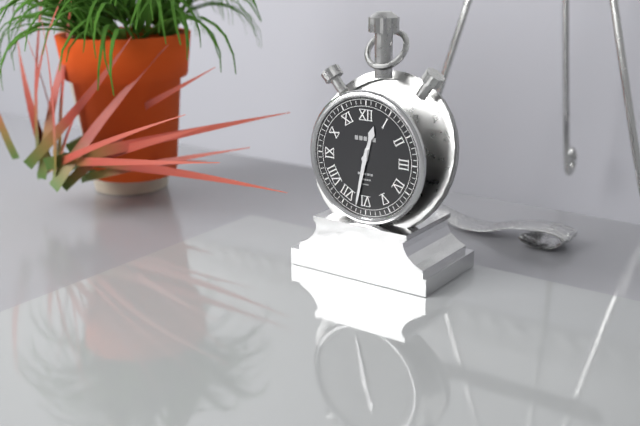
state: 12:32
